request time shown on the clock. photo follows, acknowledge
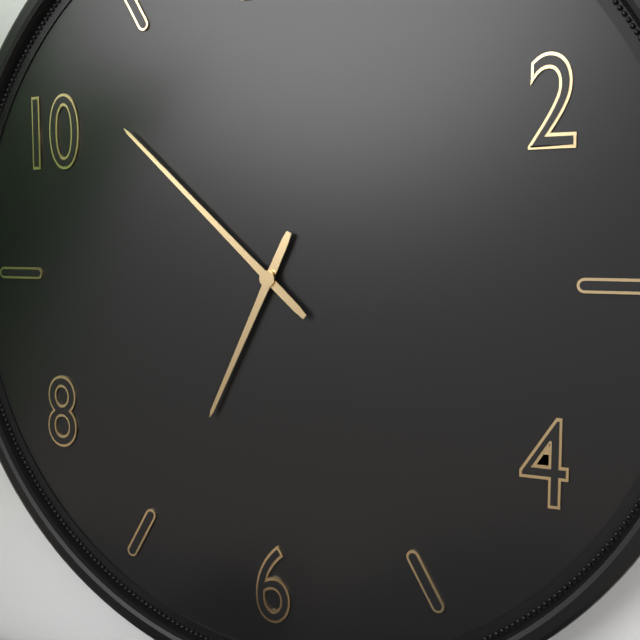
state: 6:52
